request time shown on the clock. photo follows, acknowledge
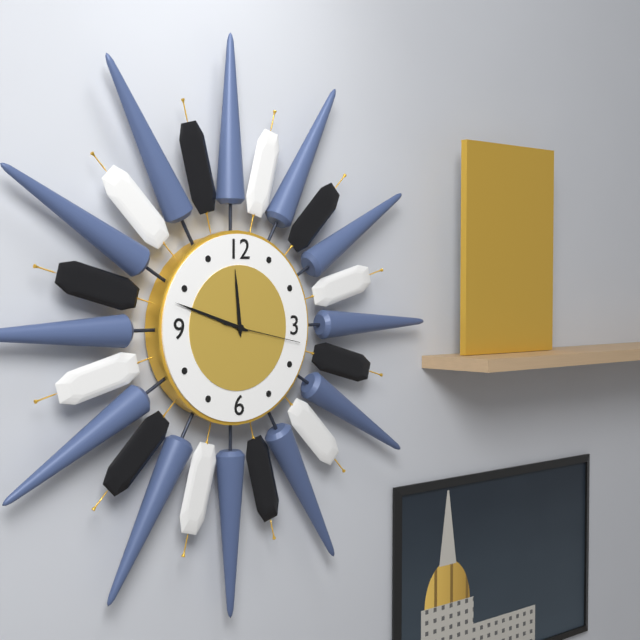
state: 11:48:17
